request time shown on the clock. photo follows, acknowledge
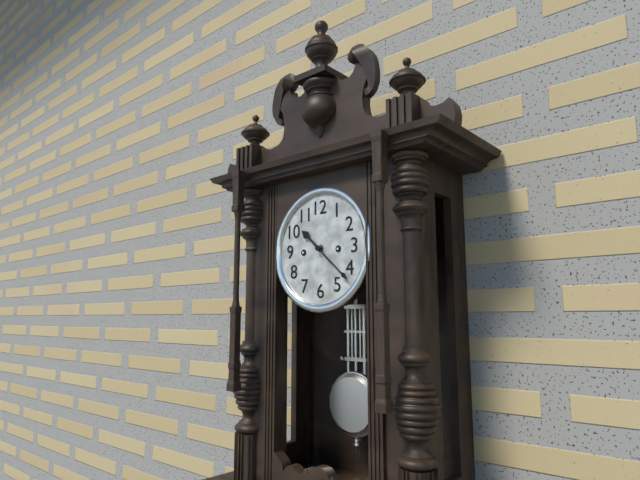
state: 10:22
